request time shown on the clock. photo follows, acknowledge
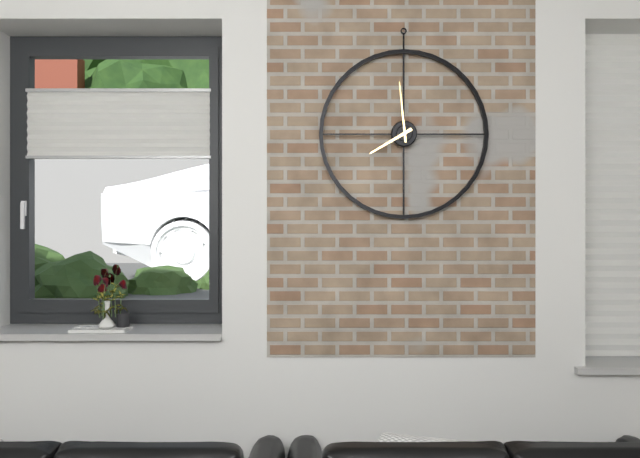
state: 7:59
